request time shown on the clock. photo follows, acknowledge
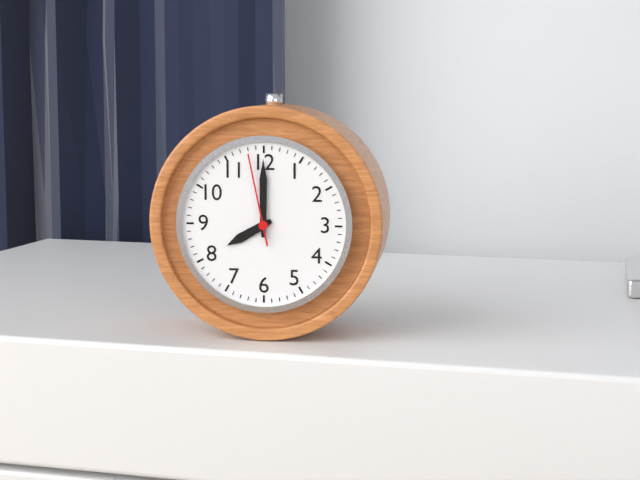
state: 8:00:58
